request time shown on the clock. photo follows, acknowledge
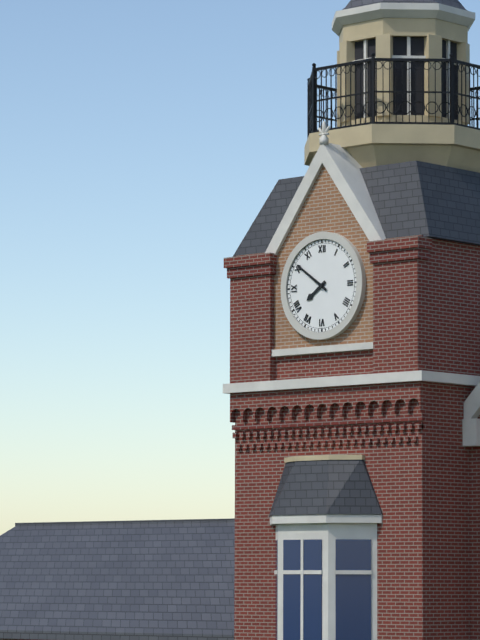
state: 7:51
